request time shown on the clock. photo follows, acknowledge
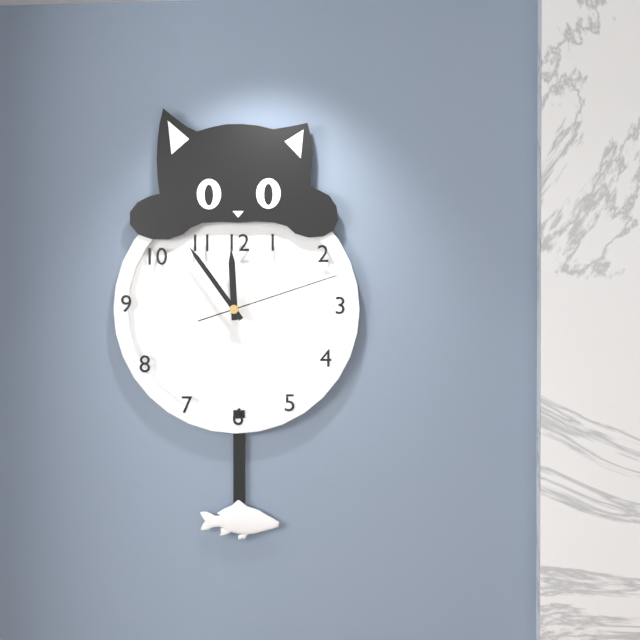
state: 11:54:12
